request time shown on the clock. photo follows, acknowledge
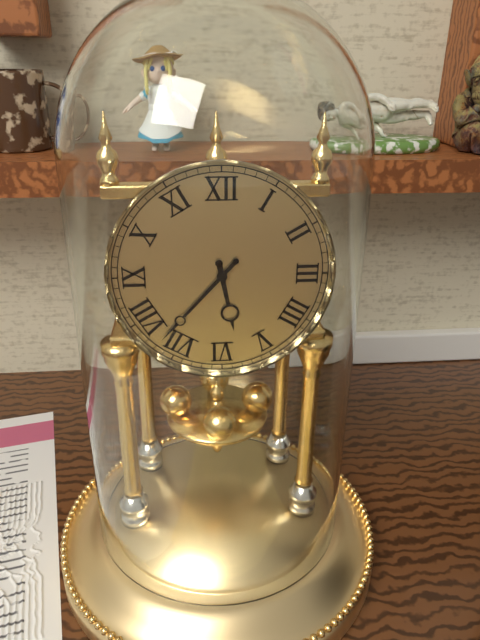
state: 5:37
